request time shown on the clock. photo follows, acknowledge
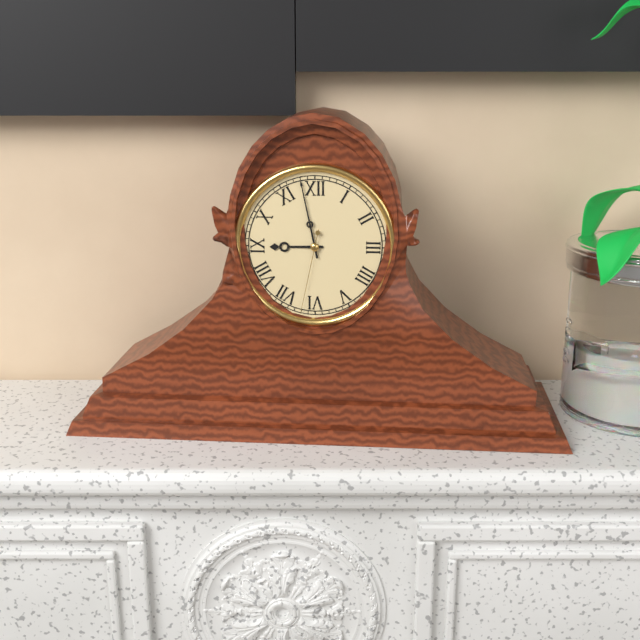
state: 8:58:32
